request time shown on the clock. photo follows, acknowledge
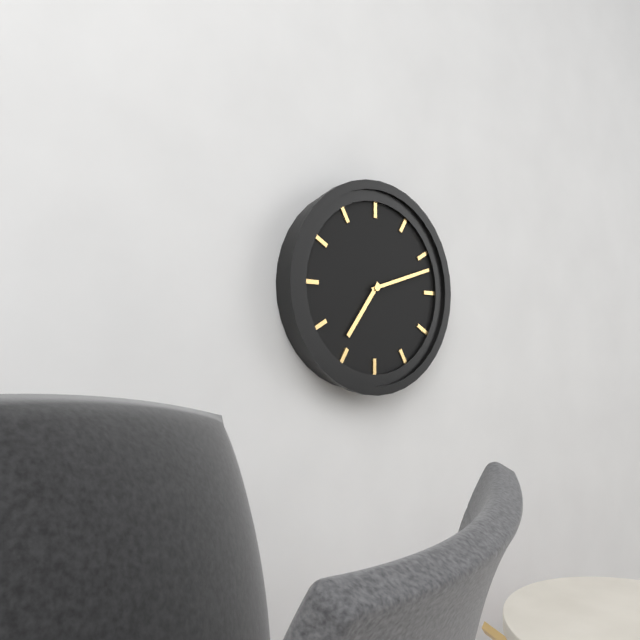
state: 7:12
